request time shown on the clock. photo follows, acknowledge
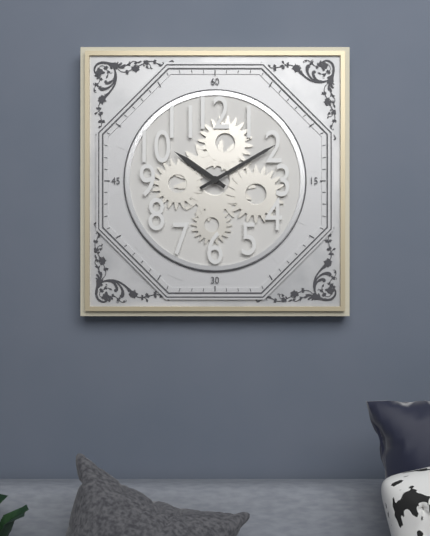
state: 10:10
